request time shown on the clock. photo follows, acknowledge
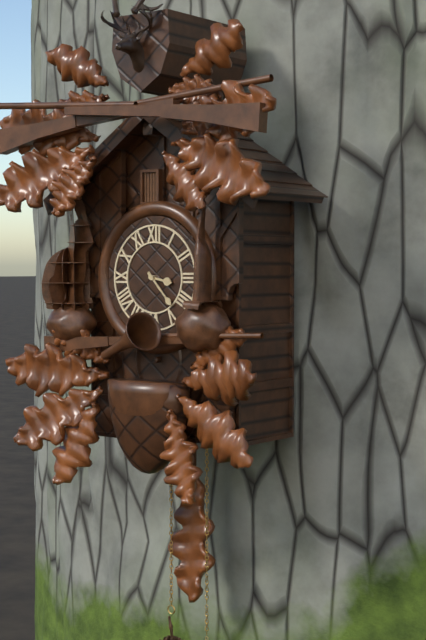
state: 3:23
